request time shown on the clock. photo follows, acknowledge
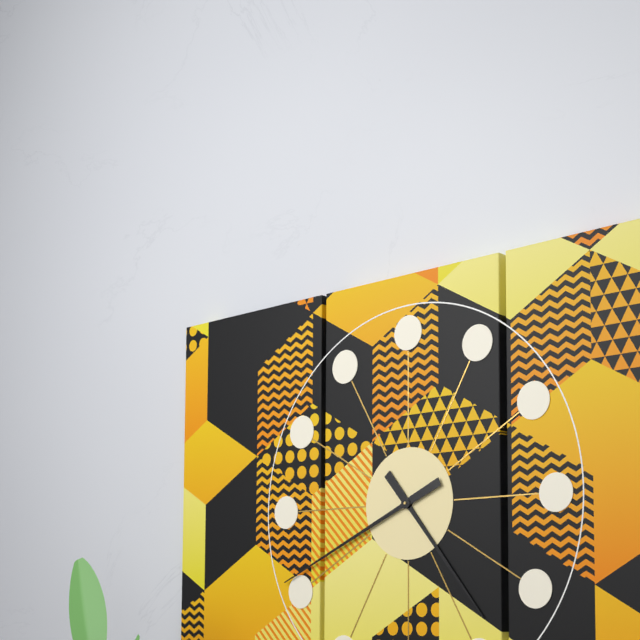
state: 4:41
